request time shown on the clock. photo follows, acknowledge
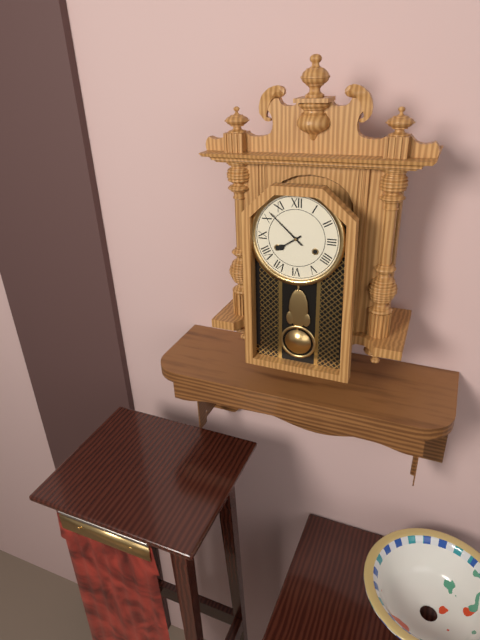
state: 7:52
